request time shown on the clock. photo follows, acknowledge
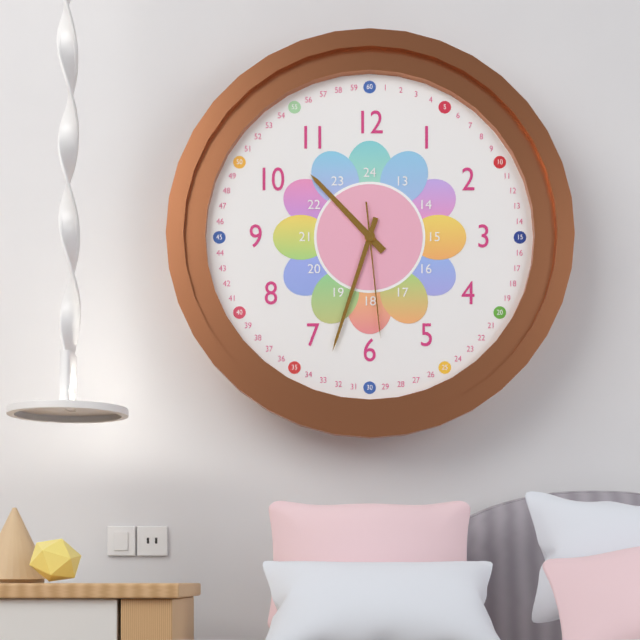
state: 10:33:29
